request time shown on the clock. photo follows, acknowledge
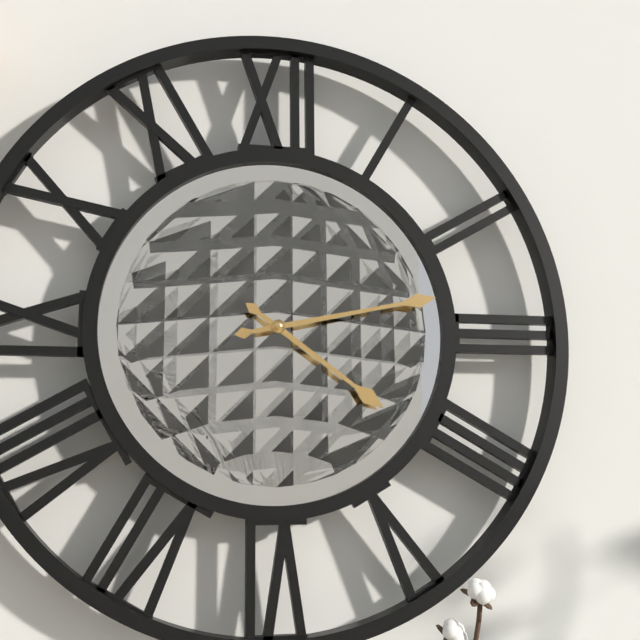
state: 4:13
